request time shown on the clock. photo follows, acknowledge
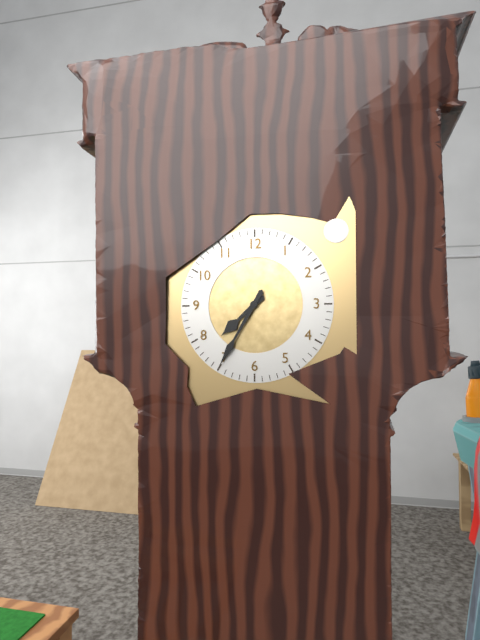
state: 7:35
